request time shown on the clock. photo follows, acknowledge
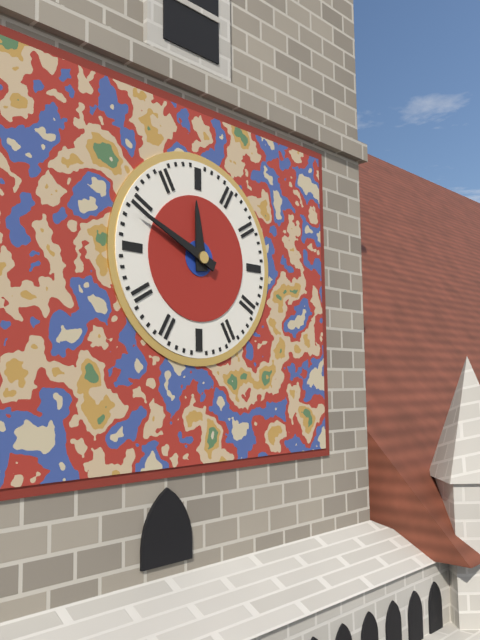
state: 11:49
